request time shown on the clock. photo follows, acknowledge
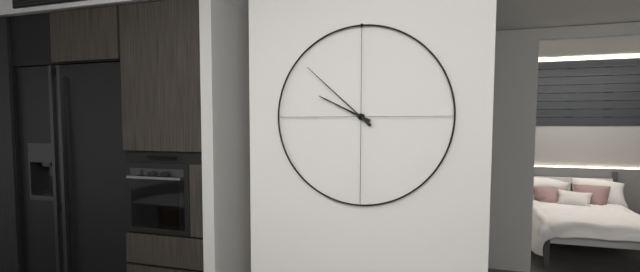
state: 9:52
